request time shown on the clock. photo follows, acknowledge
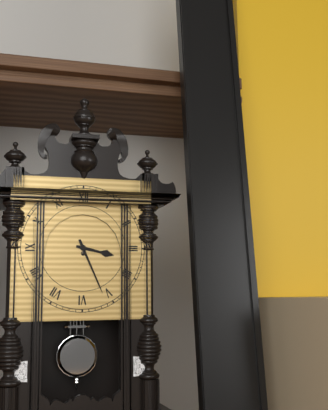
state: 3:26
